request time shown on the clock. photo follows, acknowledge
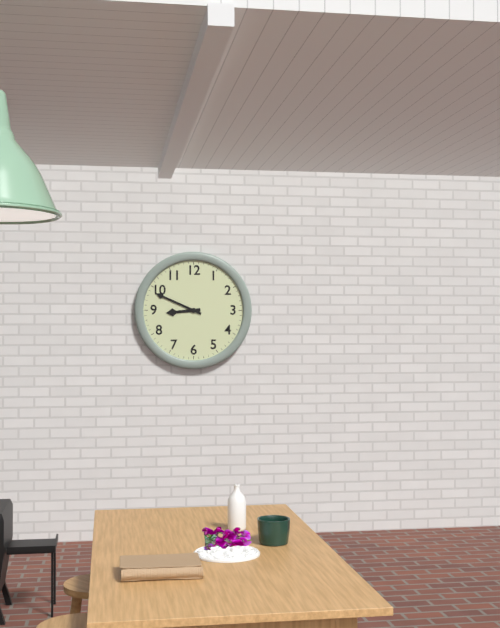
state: 8:49
